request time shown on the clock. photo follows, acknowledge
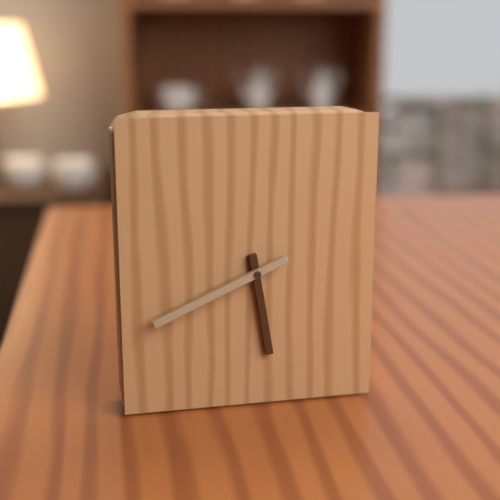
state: 5:41
